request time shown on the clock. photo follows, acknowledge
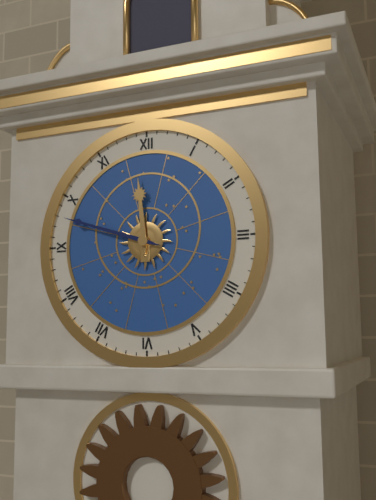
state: 11:48
